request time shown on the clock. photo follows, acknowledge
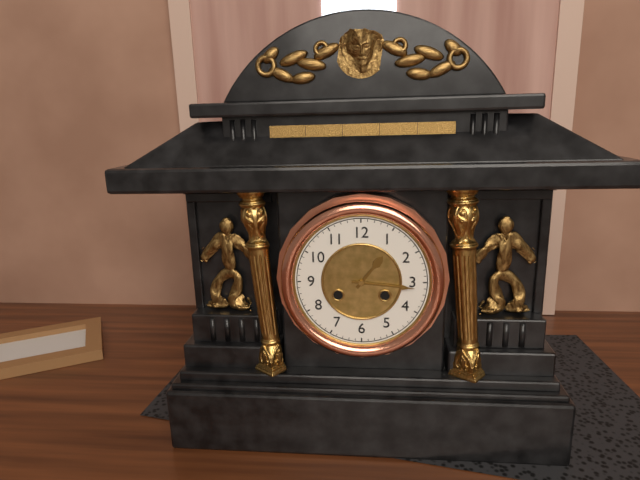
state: 1:16
